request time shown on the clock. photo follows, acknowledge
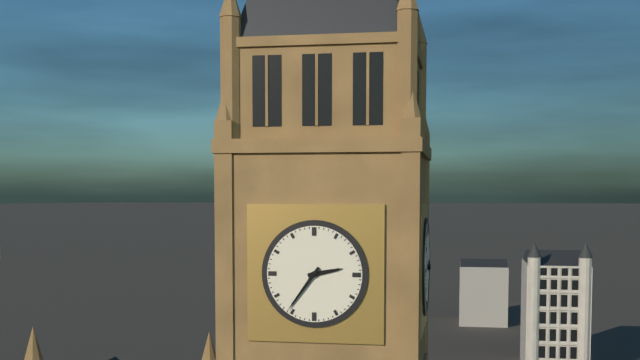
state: 2:36
